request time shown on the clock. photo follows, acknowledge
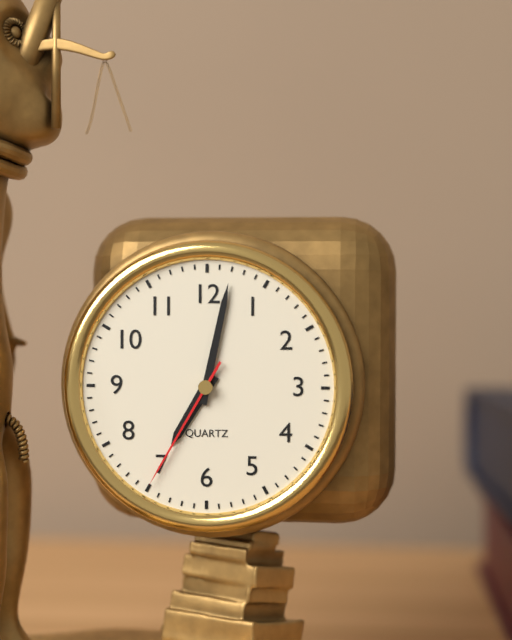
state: 7:02:35
